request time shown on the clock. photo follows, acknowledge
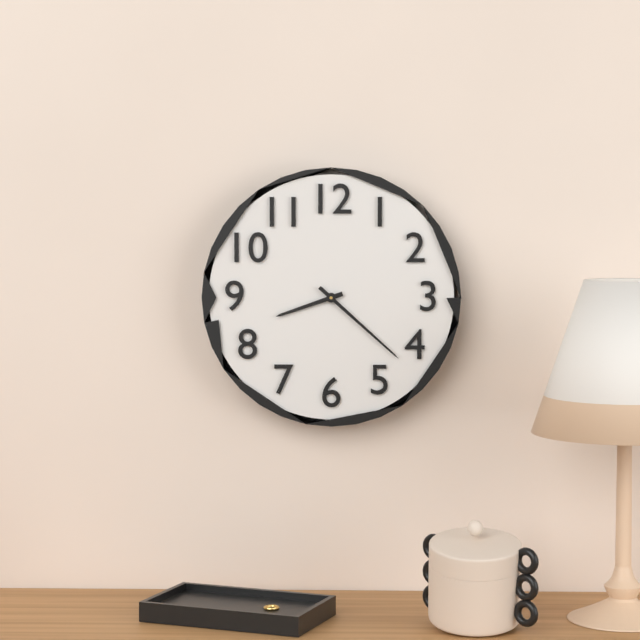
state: 8:22
